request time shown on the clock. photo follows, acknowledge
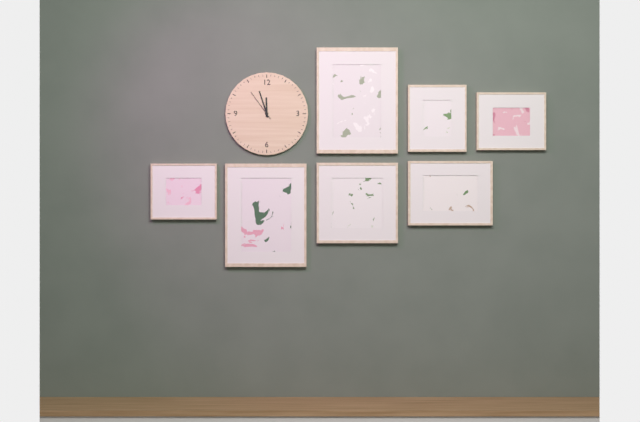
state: 11:57
